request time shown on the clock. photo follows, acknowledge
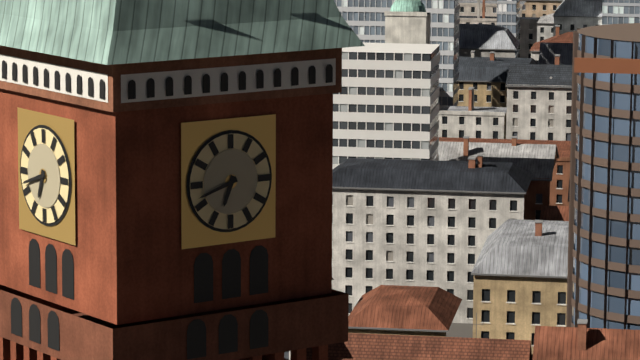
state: 6:42
